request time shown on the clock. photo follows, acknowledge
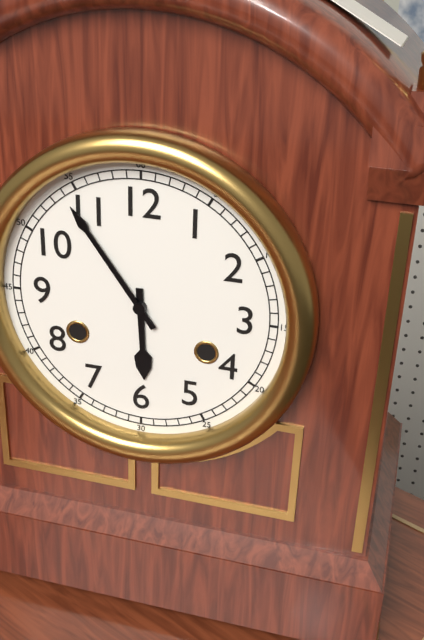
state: 5:54
